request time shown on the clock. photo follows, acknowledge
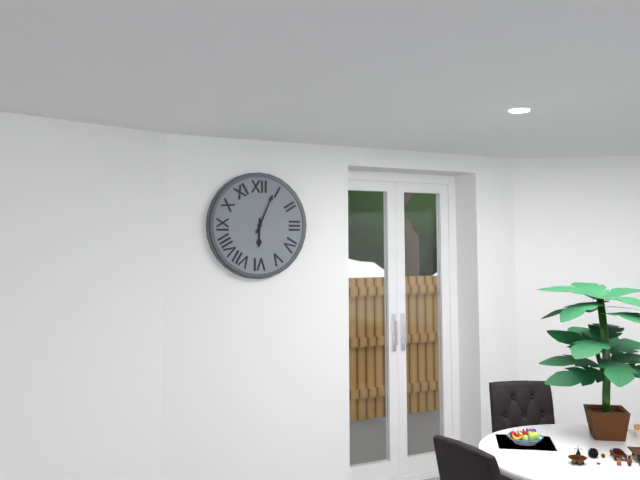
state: 6:04
